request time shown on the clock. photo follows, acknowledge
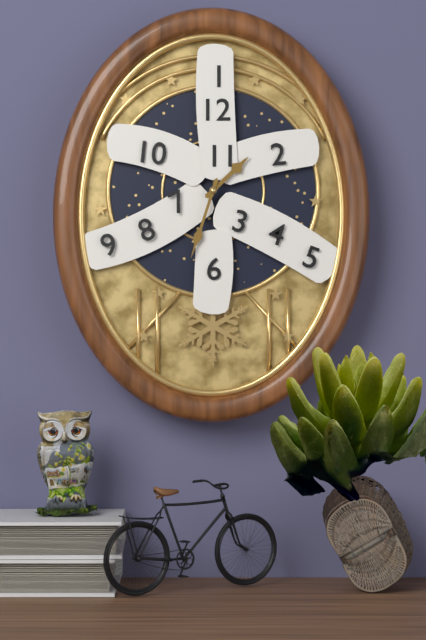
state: 1:33
